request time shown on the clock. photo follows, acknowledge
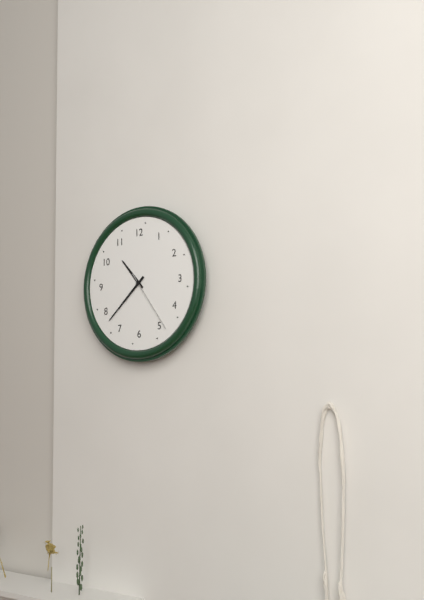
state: 10:38:24
